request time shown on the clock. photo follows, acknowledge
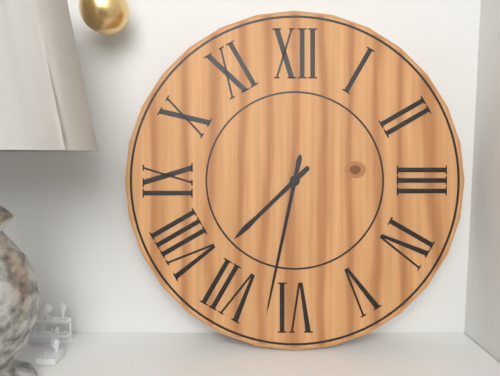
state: 7:32
